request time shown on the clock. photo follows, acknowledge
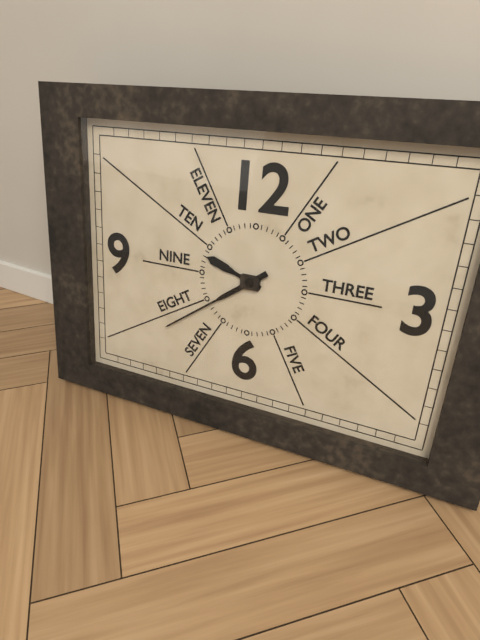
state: 9:39
